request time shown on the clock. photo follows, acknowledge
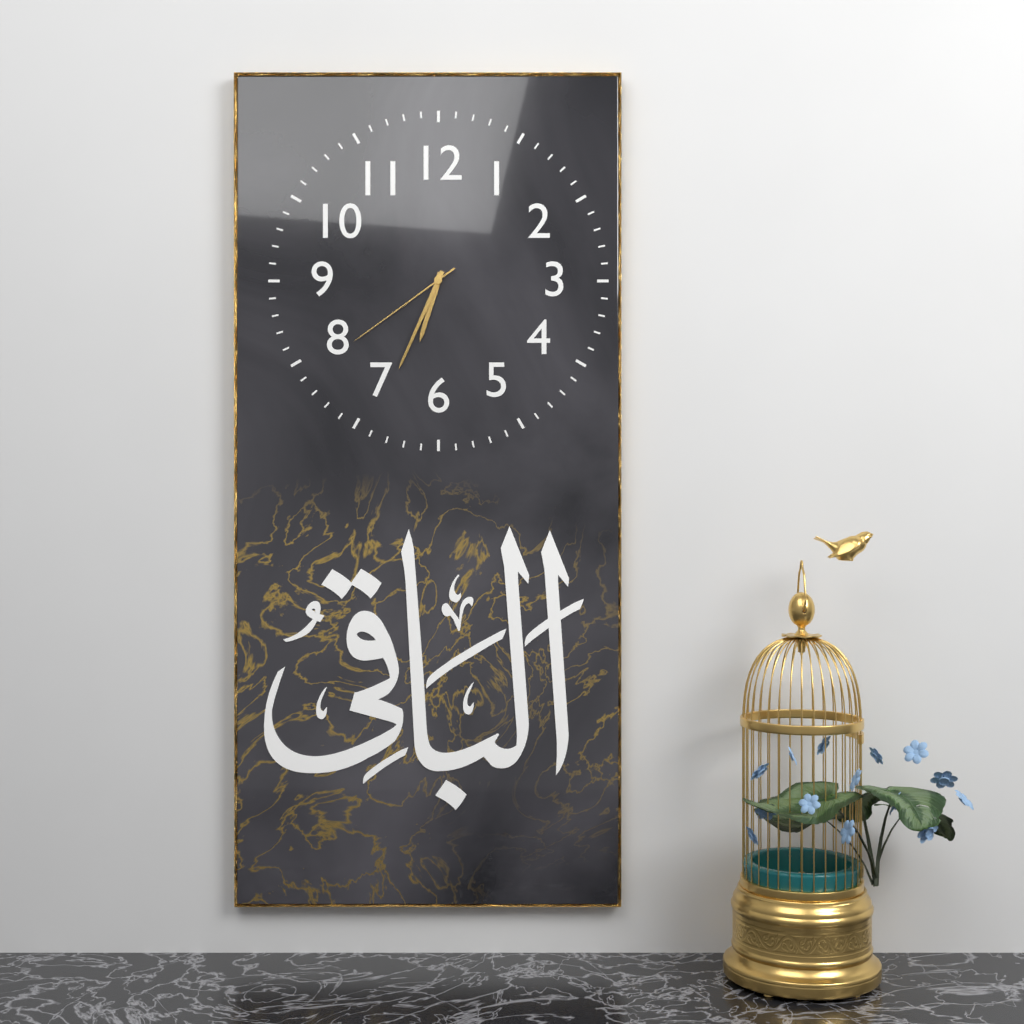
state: 6:34:39
